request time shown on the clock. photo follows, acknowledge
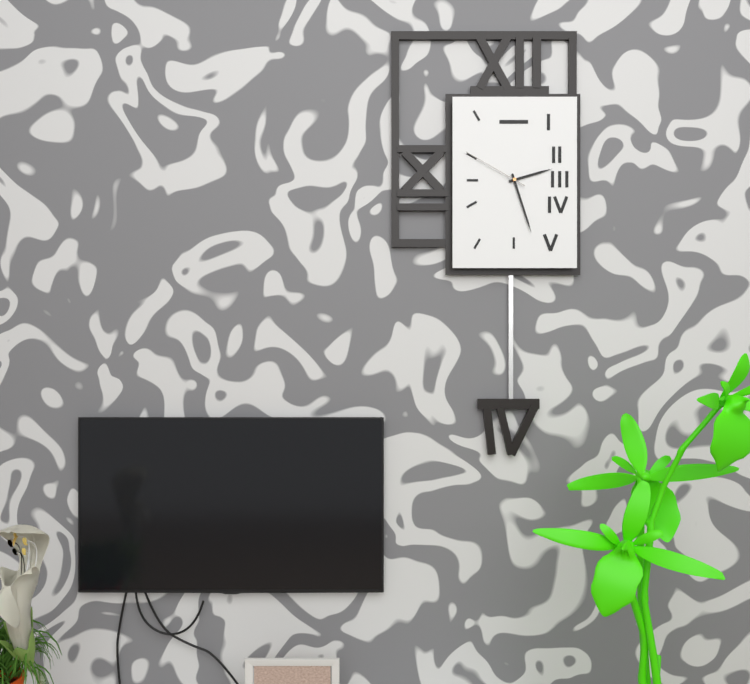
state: 2:27:50
